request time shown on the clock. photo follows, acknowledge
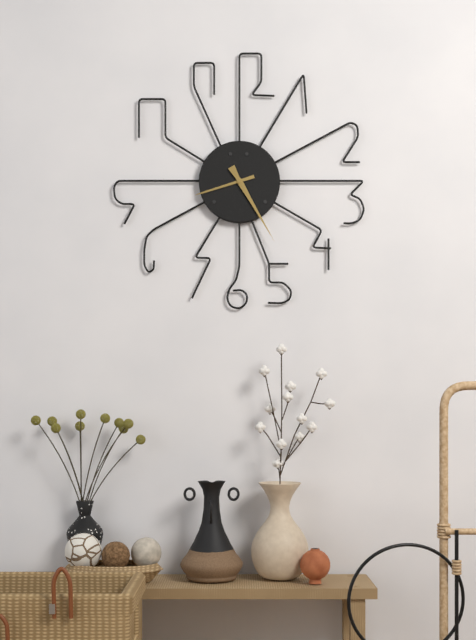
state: 8:25
